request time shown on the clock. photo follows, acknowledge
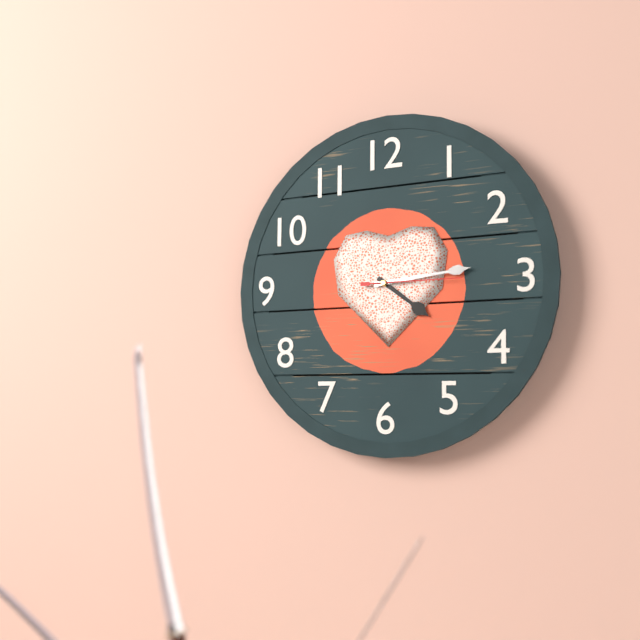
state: 4:14:15
